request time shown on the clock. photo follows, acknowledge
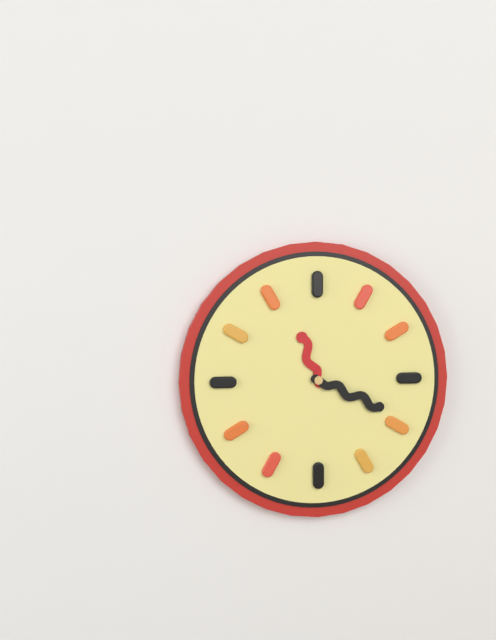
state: 11:19
